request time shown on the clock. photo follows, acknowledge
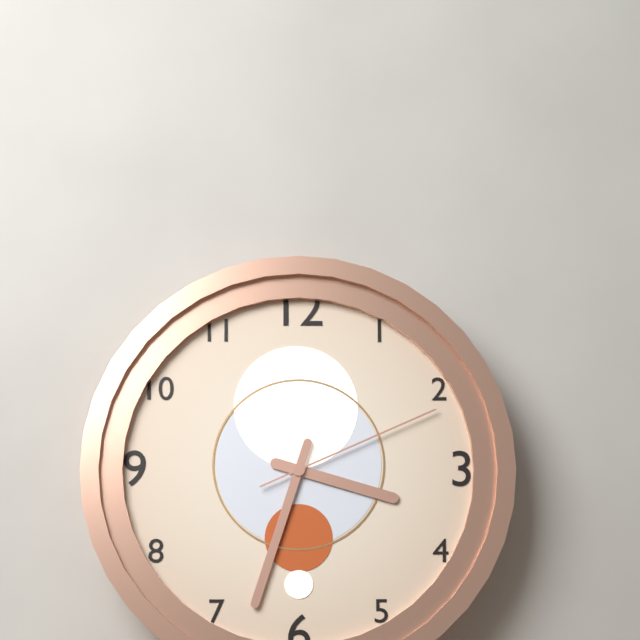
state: 3:33:11
